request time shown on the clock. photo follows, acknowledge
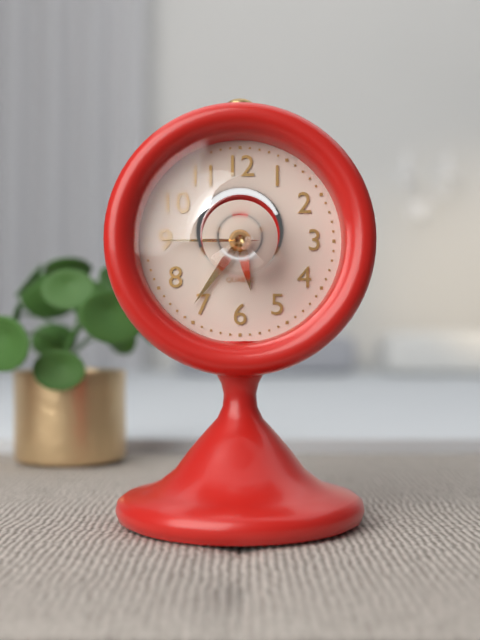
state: 5:36:45
